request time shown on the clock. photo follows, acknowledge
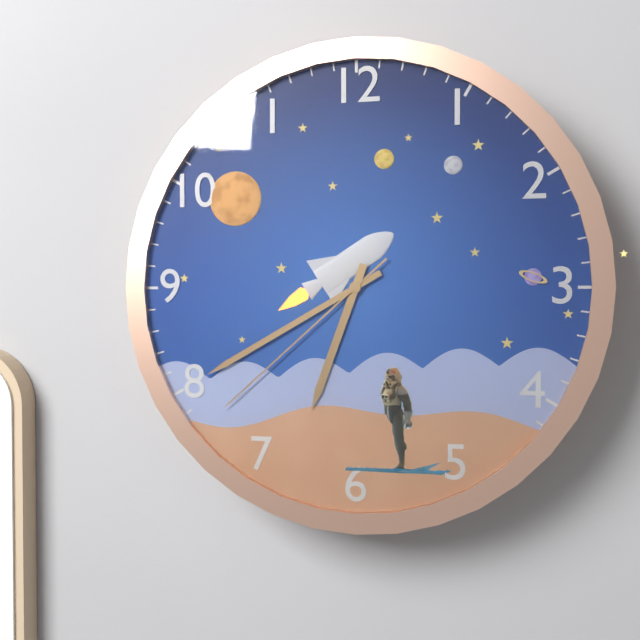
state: 6:40:38
